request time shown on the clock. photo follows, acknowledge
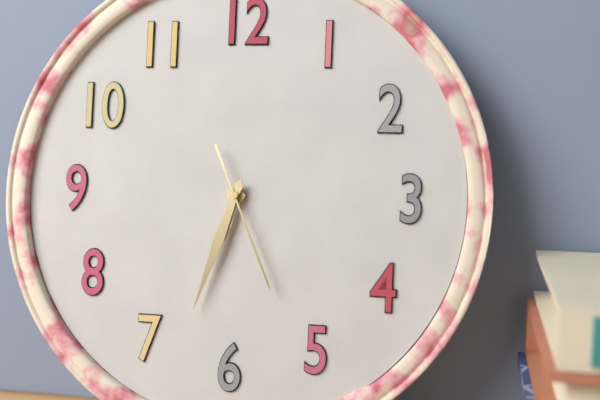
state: 6:33:26
